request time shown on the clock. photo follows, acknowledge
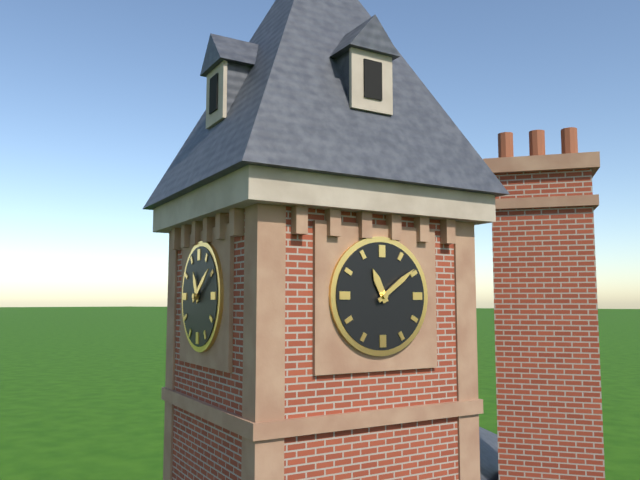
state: 11:09
